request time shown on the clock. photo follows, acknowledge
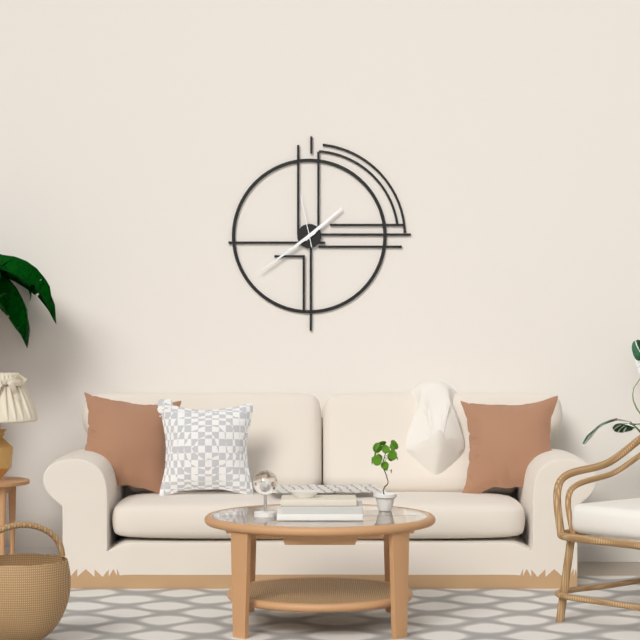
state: 1:39:58
